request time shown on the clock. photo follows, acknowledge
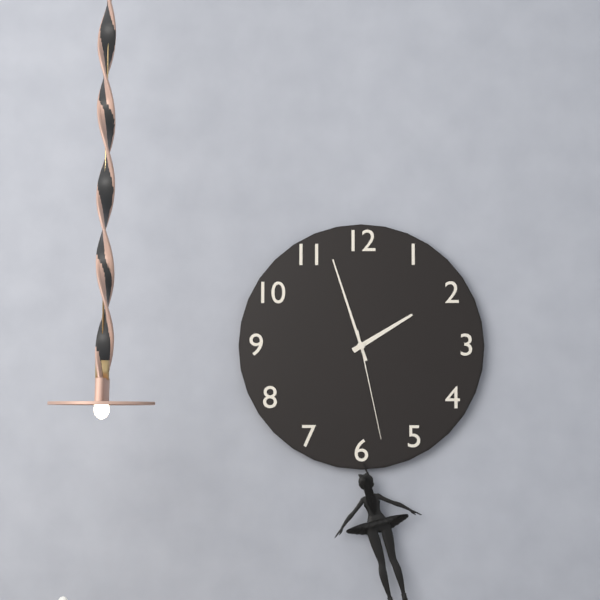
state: 1:57:28
